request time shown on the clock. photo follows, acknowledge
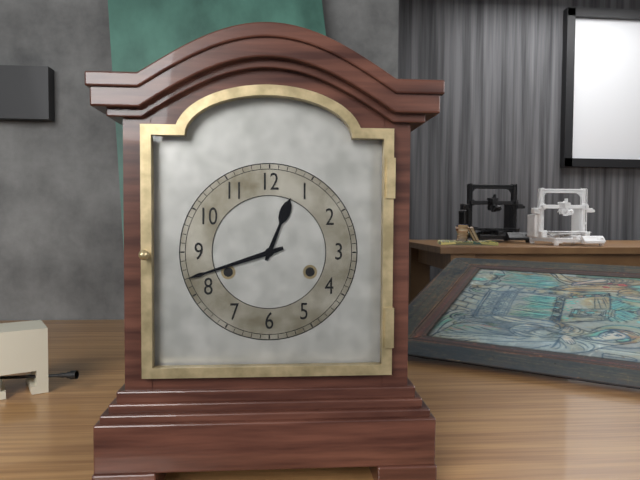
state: 12:42
